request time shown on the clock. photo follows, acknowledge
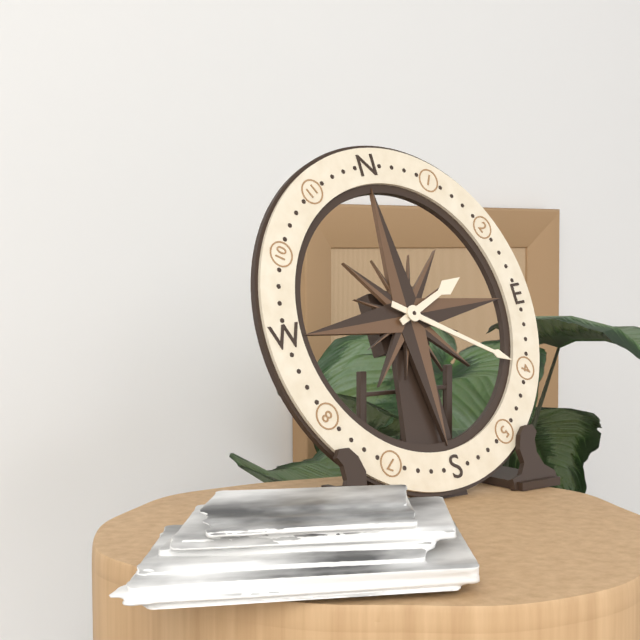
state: 2:20
